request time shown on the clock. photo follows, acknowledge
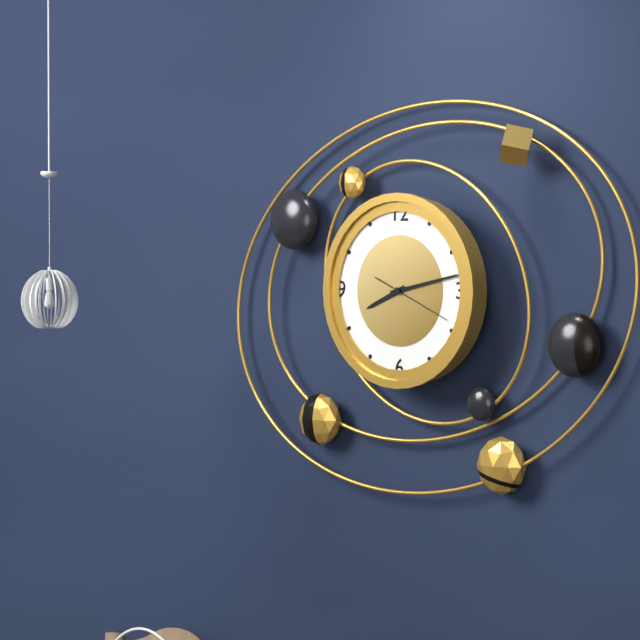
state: 8:13:19
